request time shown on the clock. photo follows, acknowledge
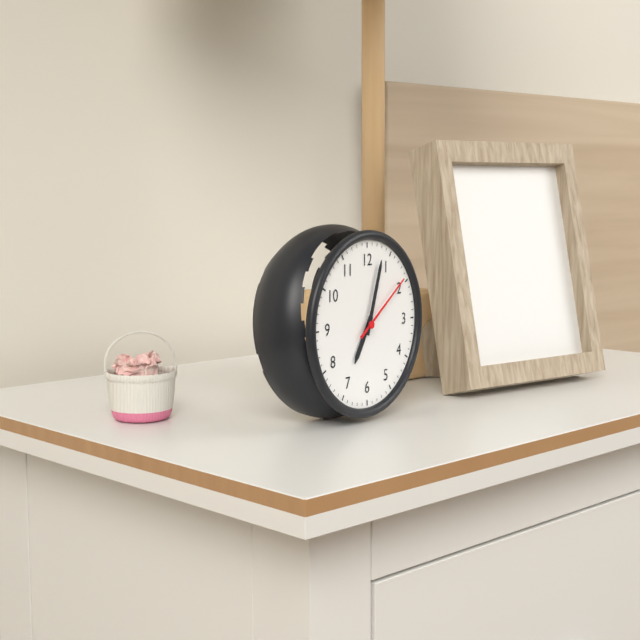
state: 7:03:09
